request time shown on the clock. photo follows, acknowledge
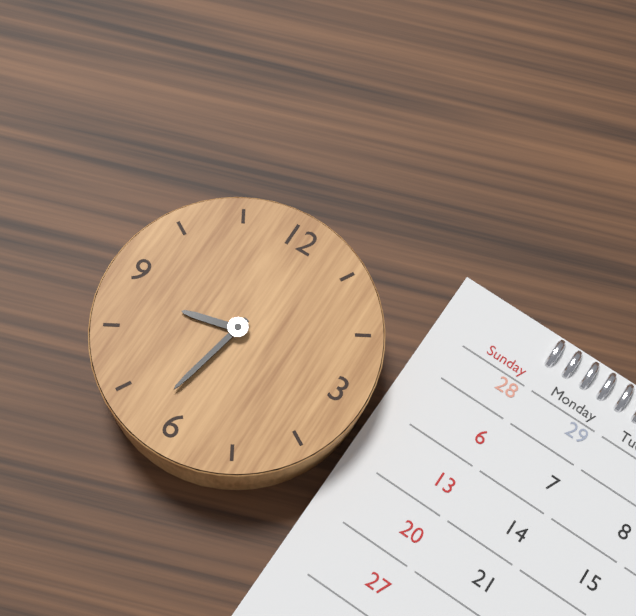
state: 8:32
